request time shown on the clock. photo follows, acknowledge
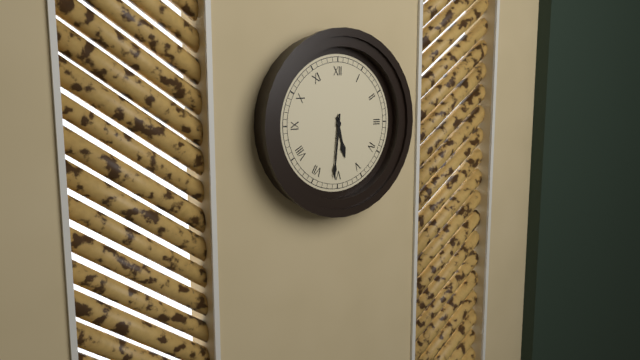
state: 5:31
